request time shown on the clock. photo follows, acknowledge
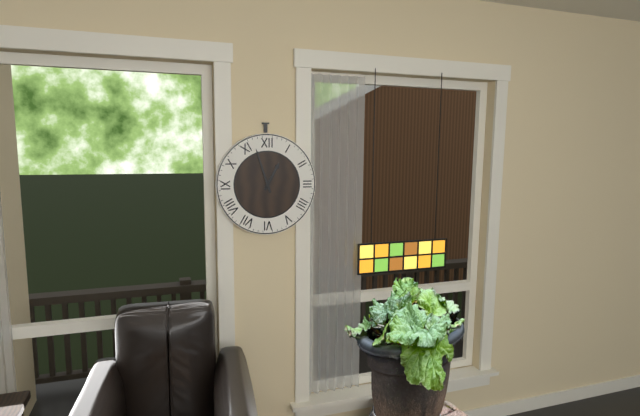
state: 12:57
